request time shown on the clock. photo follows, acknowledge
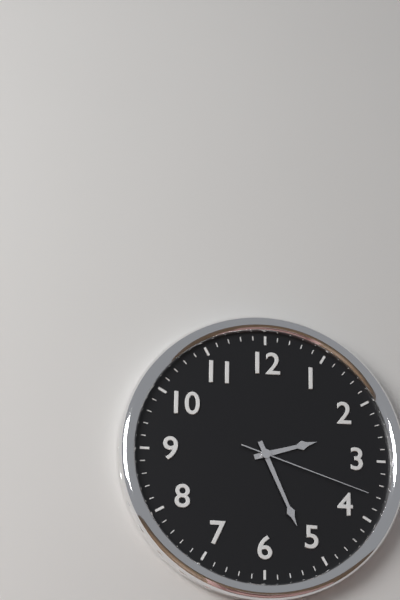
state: 2:26:18
